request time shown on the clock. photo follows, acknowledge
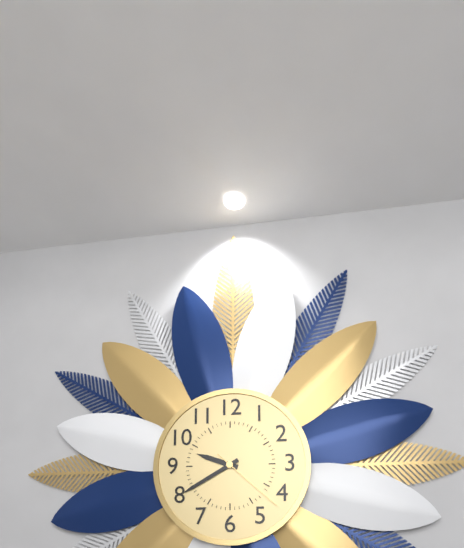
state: 9:40:22
